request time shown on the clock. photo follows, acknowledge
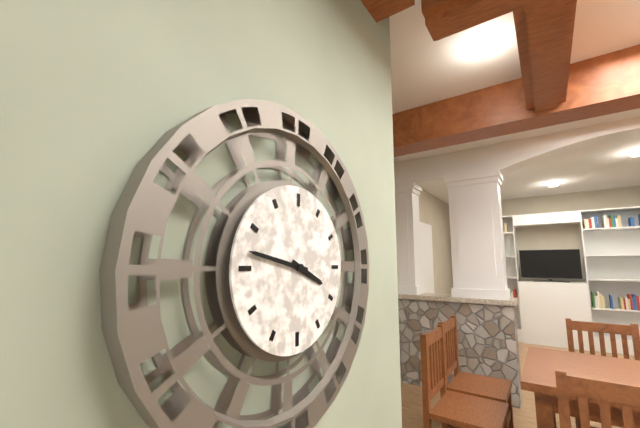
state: 3:47
